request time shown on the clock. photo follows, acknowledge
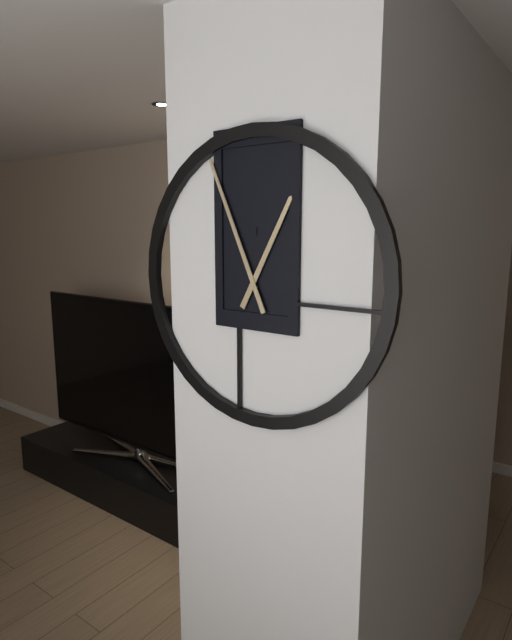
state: 12:56
